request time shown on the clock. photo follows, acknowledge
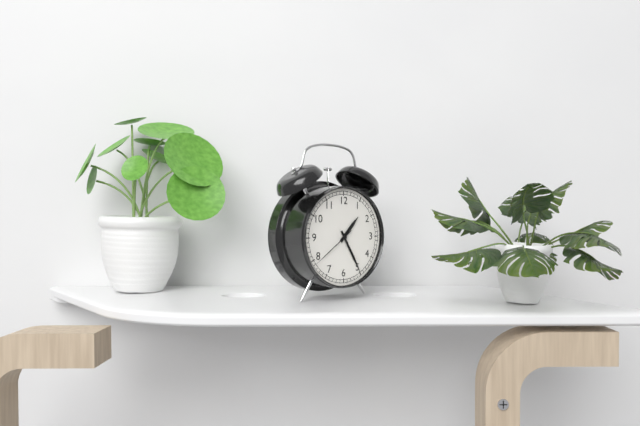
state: 1:25
